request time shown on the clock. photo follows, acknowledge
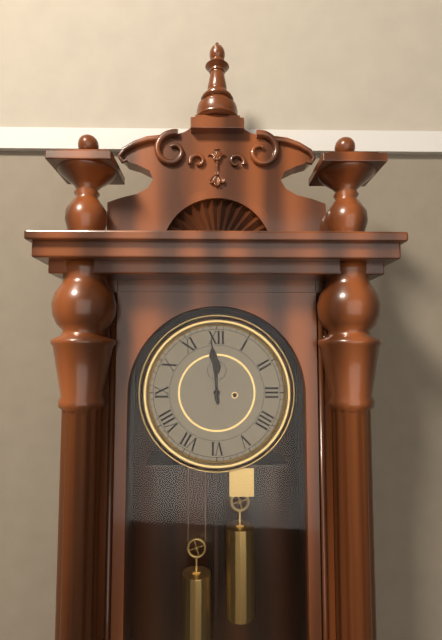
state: 11:59
